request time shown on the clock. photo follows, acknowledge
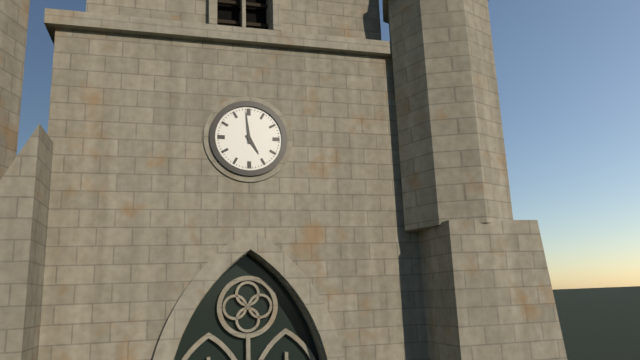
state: 4:59
